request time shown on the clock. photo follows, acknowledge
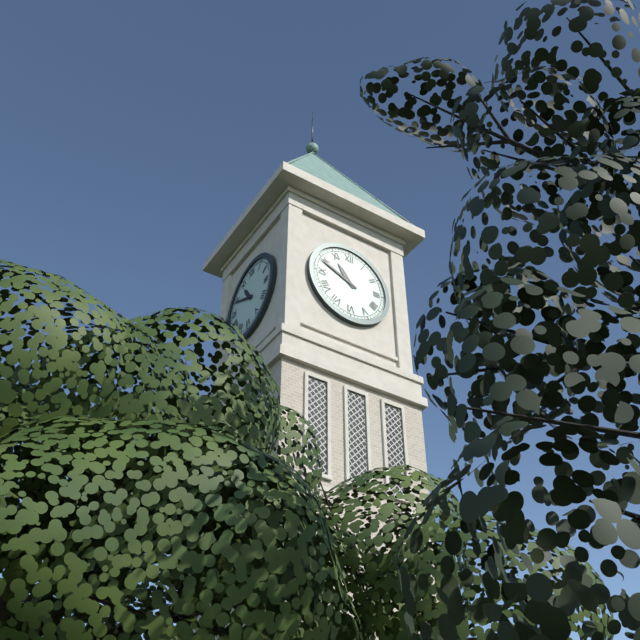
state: 10:49
